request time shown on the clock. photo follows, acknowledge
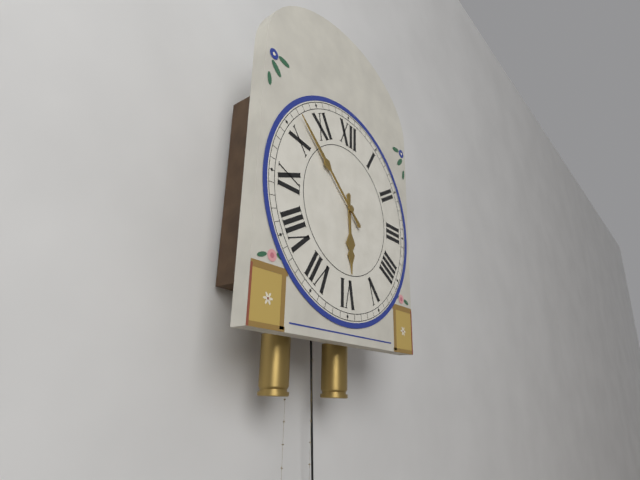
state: 5:52
